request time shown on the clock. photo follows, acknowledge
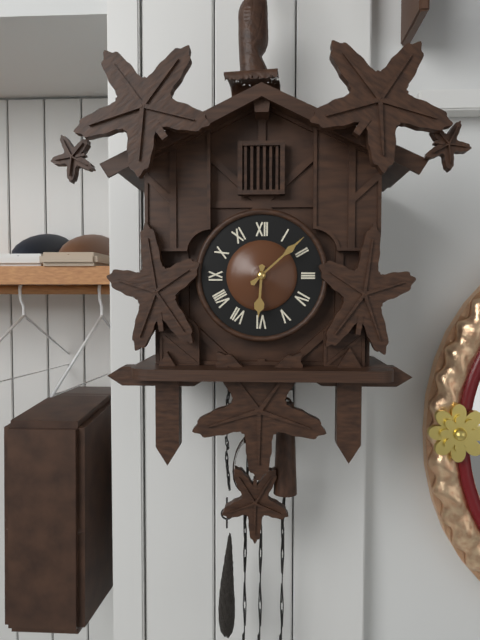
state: 6:08
